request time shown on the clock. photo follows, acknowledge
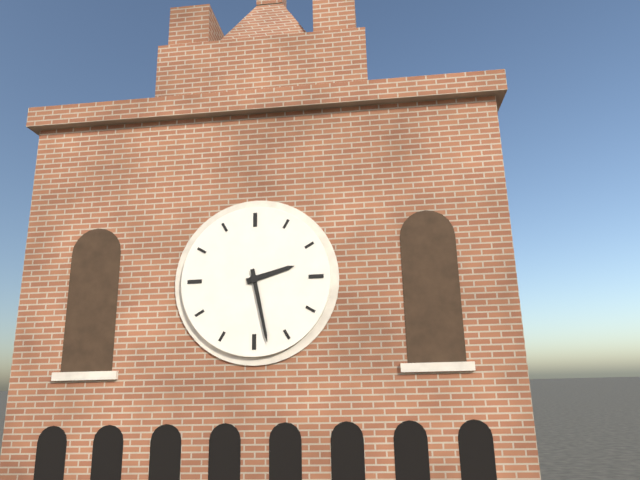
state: 2:28
